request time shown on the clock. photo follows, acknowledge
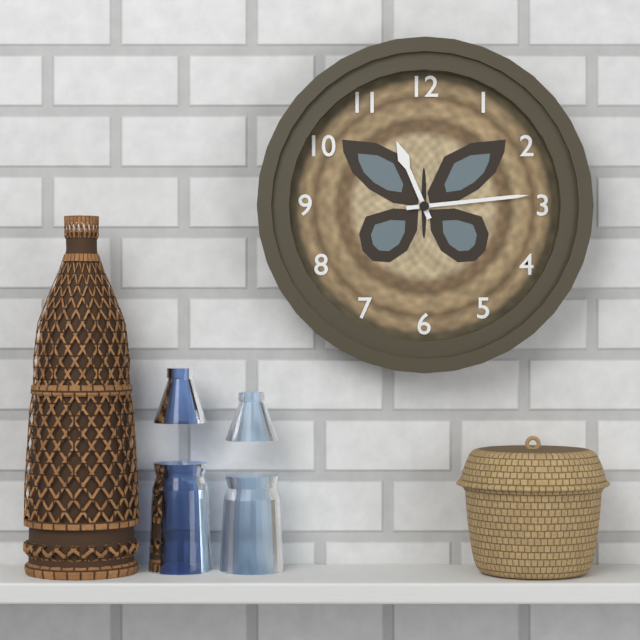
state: 11:14
